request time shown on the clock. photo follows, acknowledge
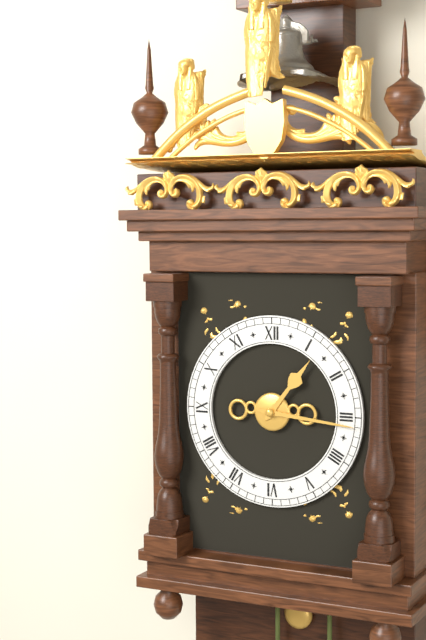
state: 1:16
